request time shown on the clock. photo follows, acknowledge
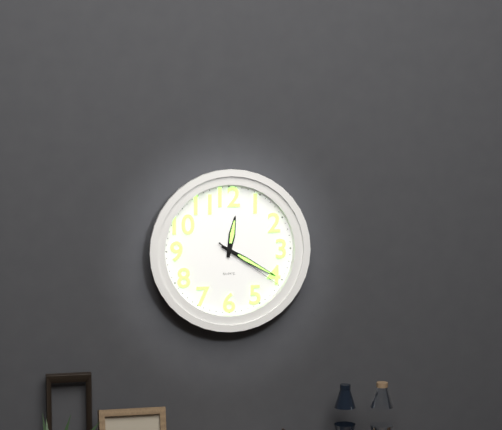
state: 12:20:21
